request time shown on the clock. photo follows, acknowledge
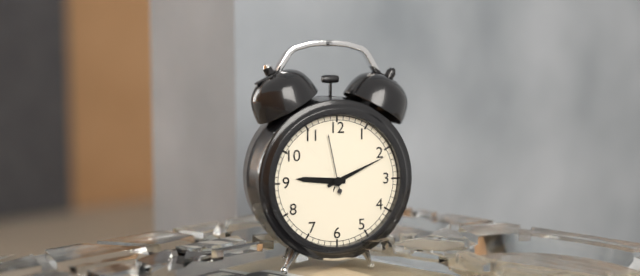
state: 9:11:58
